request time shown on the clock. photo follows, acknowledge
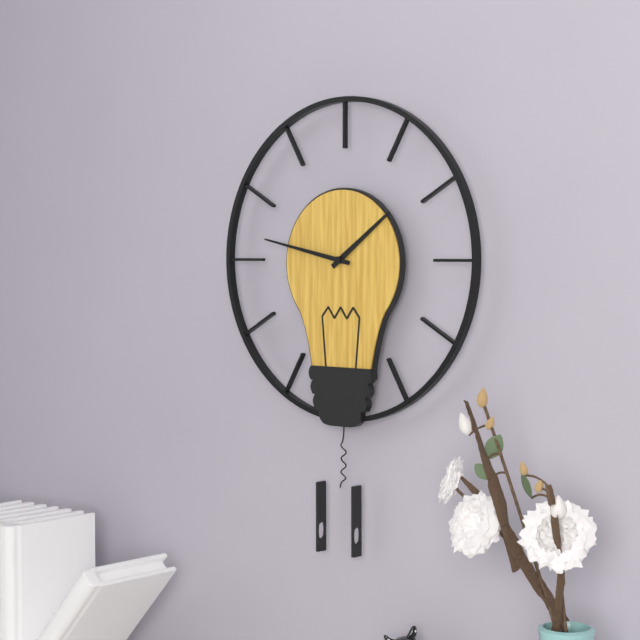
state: 1:47
